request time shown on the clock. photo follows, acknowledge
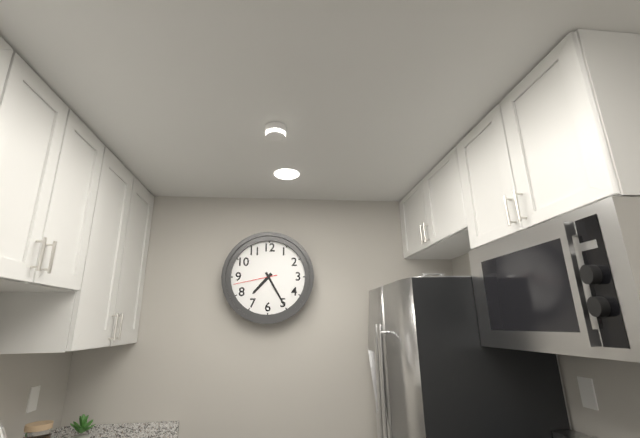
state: 7:25
